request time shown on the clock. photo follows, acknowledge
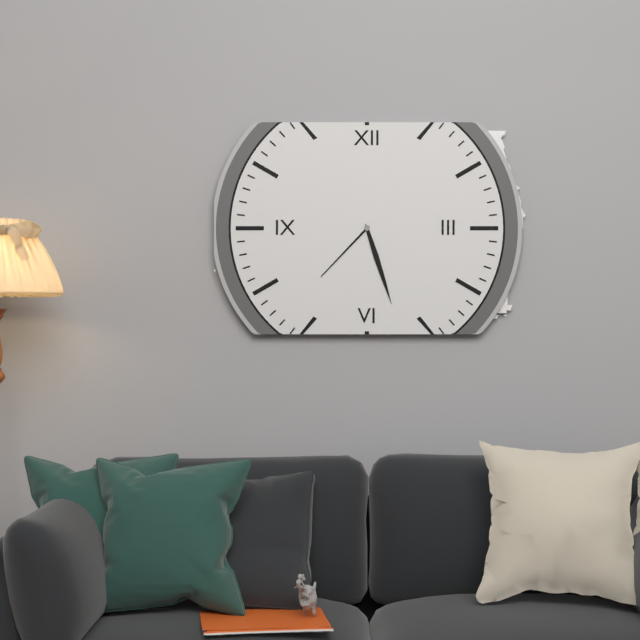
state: 7:27
